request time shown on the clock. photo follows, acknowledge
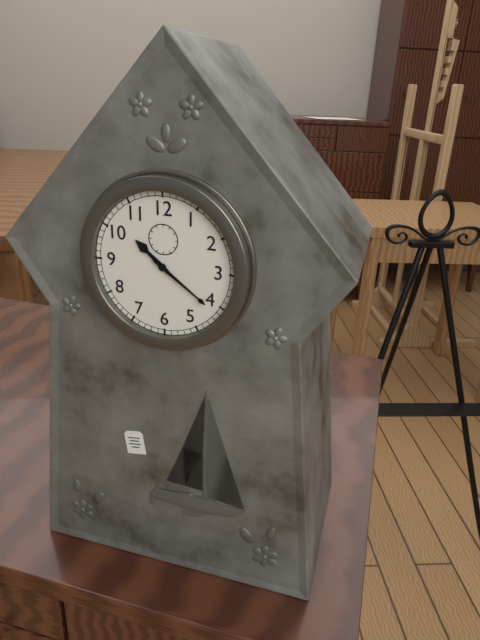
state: 10:21
